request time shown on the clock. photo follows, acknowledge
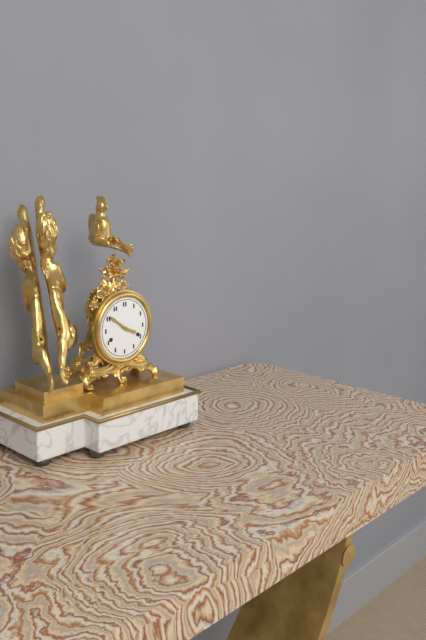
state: 3:51
